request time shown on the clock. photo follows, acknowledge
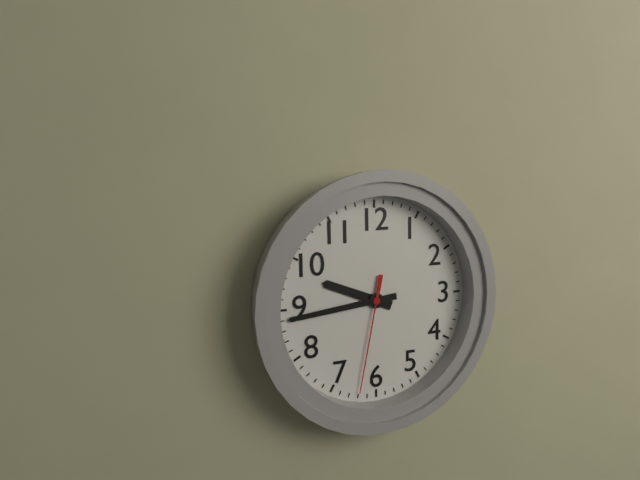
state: 9:44:32
